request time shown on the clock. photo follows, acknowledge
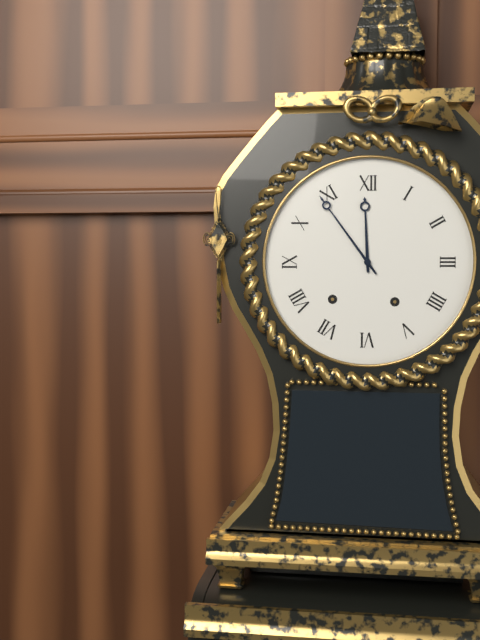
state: 11:54
